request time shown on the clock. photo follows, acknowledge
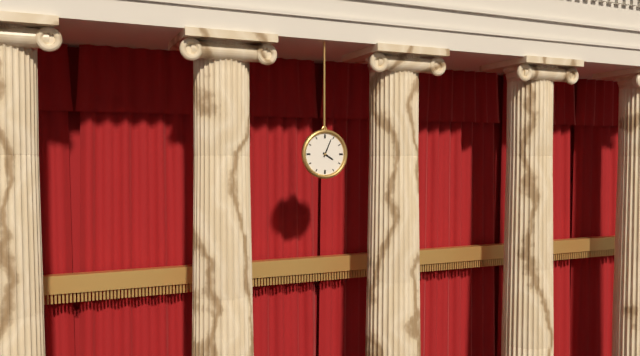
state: 4:04
